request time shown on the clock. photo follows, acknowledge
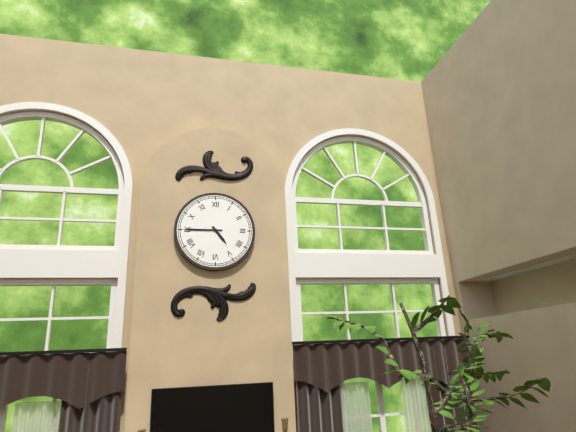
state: 4:45
